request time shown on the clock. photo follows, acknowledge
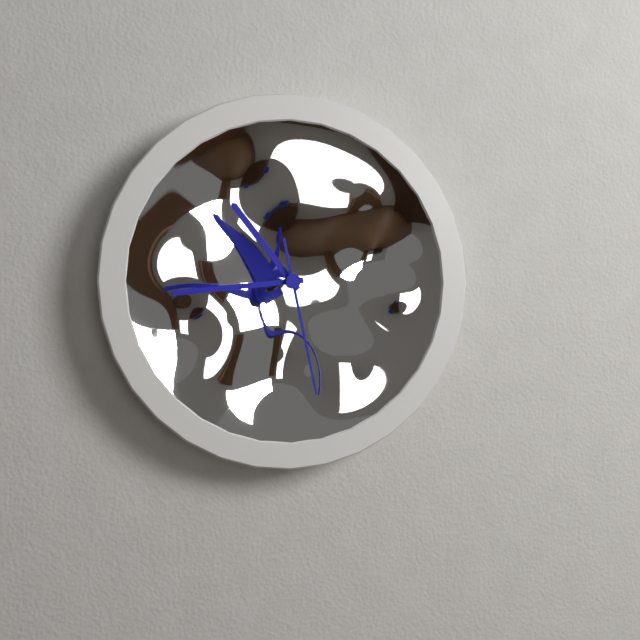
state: 10:44:28
